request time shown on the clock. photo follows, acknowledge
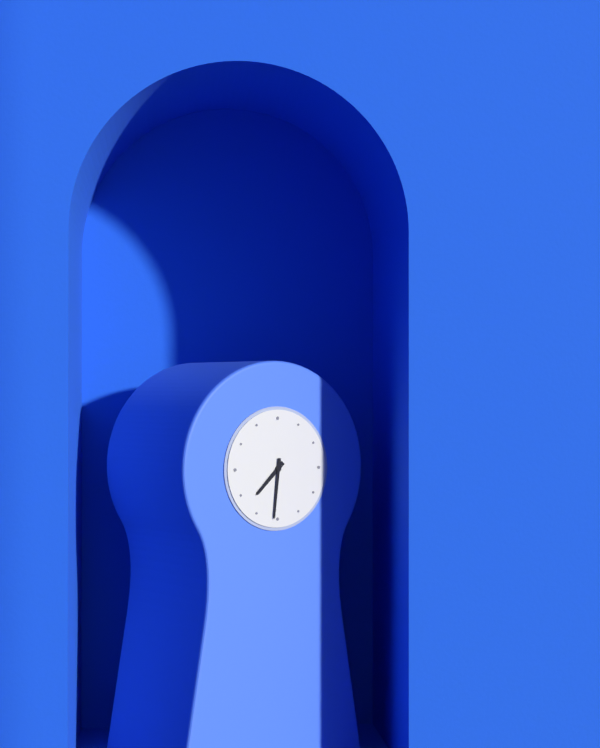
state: 7:31
